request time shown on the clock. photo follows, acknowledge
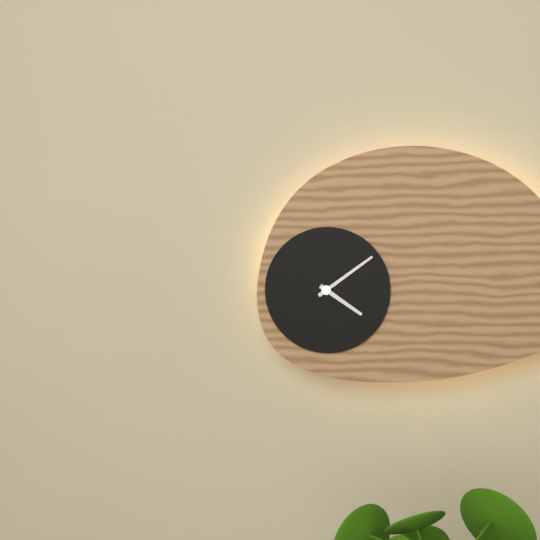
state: 4:09
